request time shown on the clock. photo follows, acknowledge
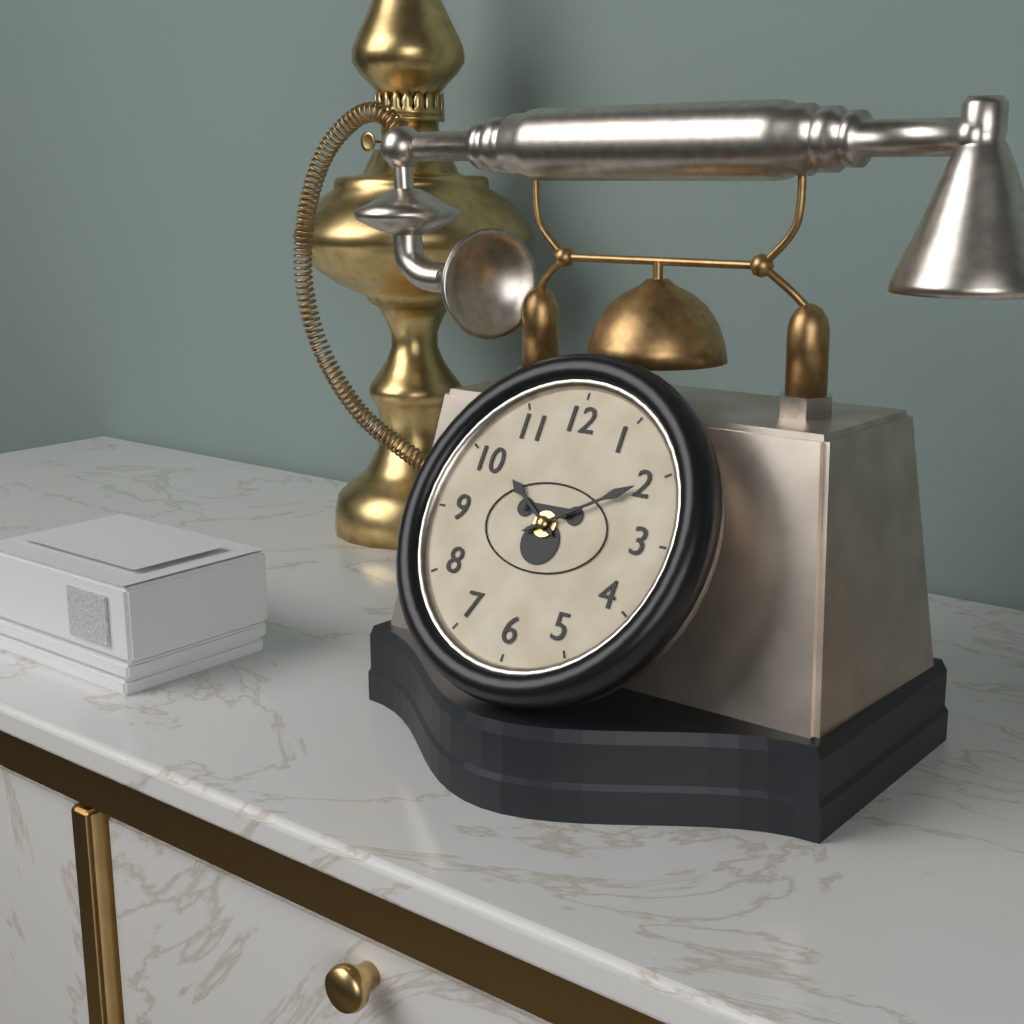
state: 10:10
